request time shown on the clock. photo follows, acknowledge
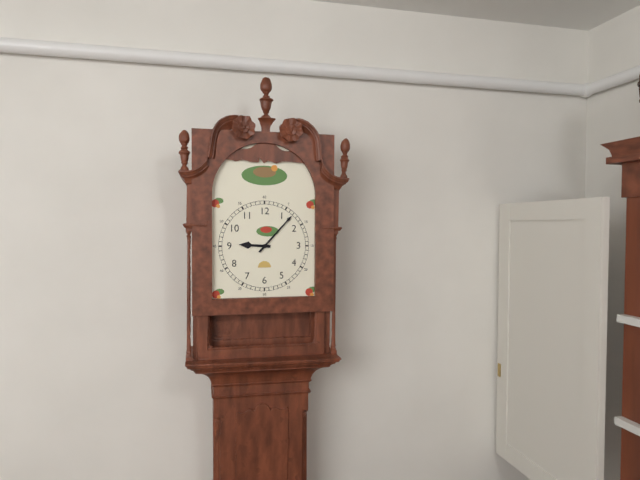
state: 9:07
